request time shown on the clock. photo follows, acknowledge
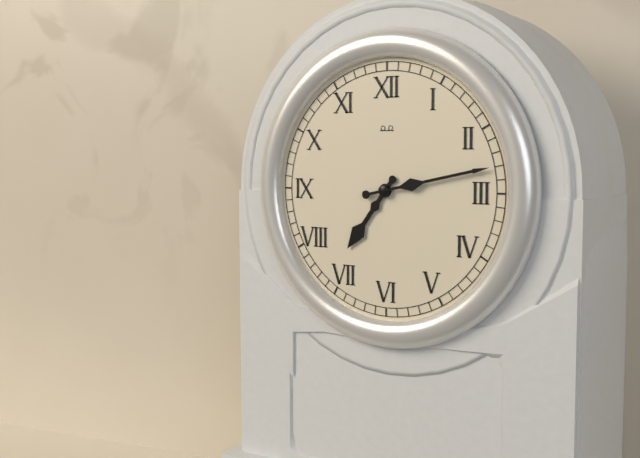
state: 7:13
